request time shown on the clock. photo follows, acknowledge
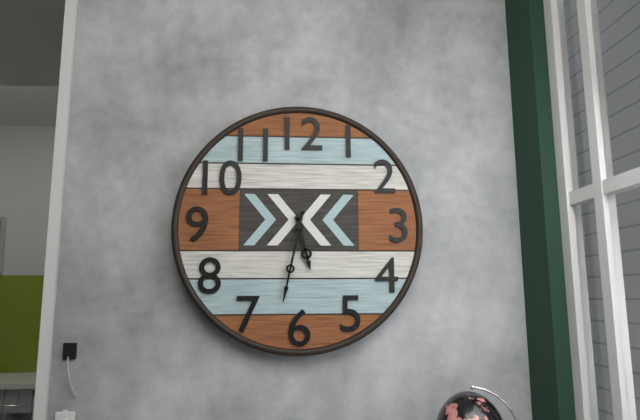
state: 5:32
